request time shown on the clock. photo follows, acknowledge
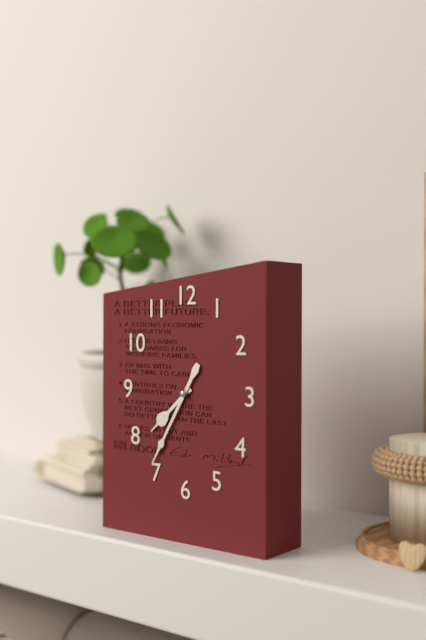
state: 7:35
